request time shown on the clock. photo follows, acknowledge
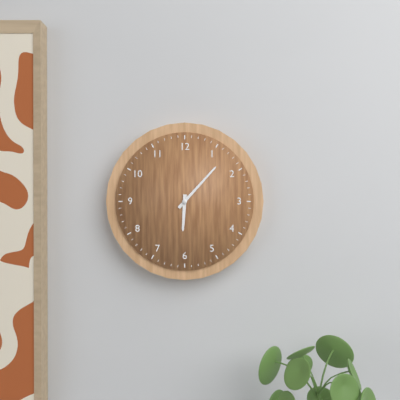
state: 6:07
